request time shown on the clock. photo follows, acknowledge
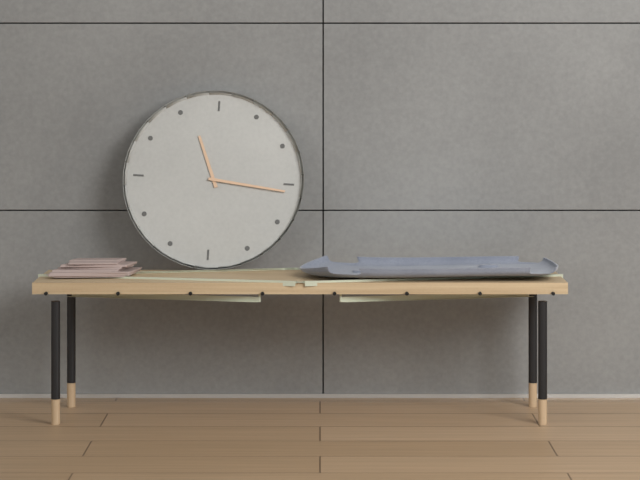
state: 11:16
